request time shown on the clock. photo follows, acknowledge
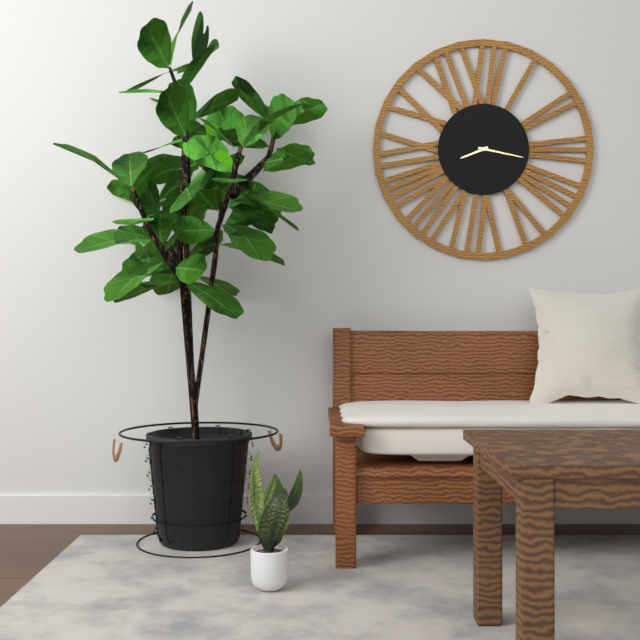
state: 8:17
